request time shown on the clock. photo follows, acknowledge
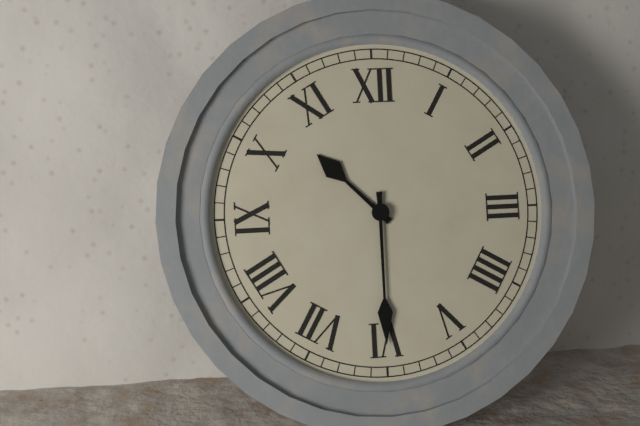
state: 10:30
